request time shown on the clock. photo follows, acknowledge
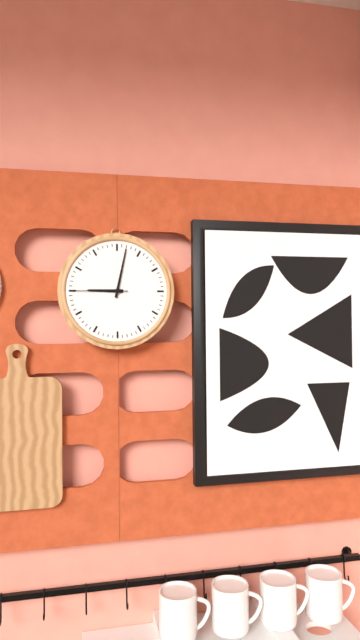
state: 9:02:45
